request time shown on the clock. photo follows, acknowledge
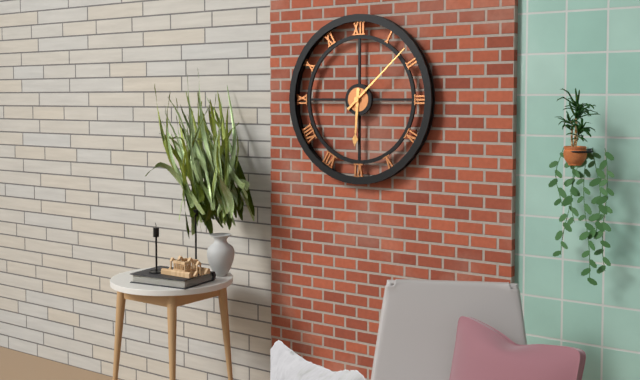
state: 6:08
